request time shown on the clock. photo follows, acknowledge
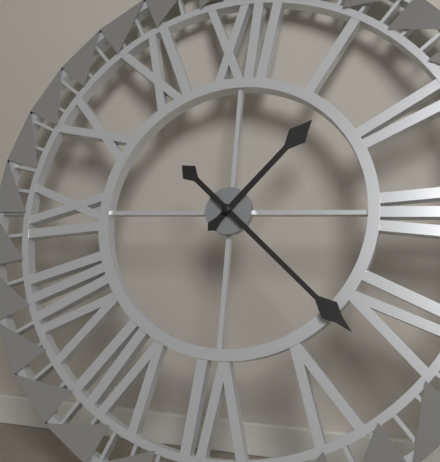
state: 1:22
